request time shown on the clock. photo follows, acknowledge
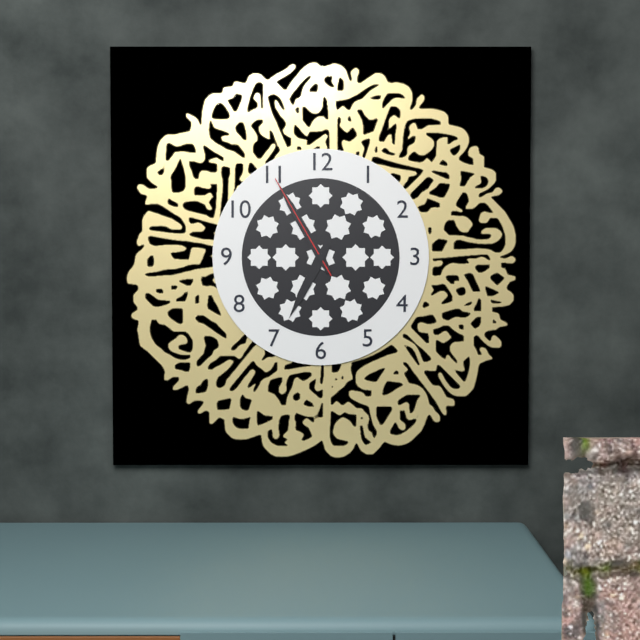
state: 6:55:55
